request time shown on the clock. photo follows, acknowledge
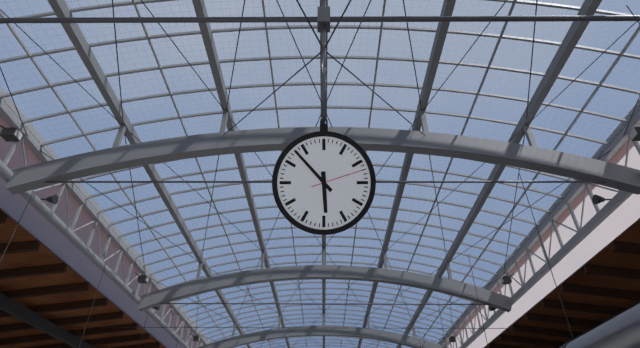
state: 5:53:12
